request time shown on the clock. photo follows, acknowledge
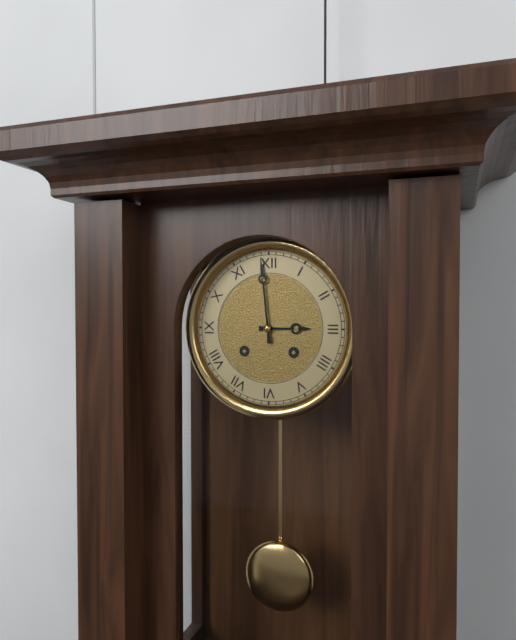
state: 2:59
